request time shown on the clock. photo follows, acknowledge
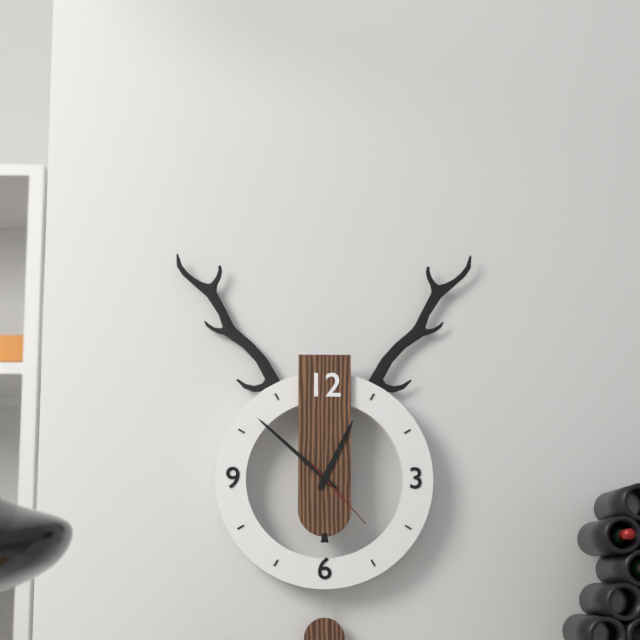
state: 12:52:23
